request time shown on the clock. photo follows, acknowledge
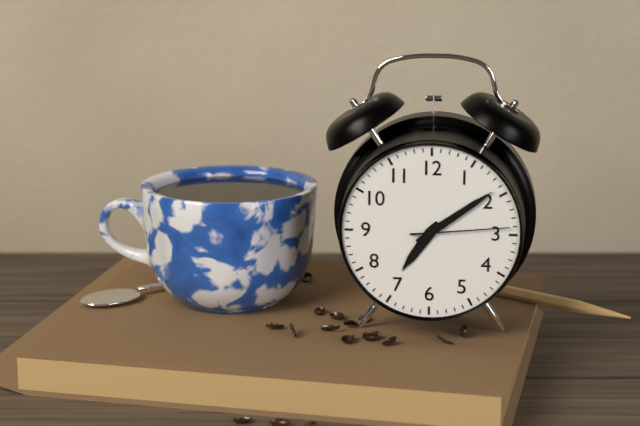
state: 7:09:14
